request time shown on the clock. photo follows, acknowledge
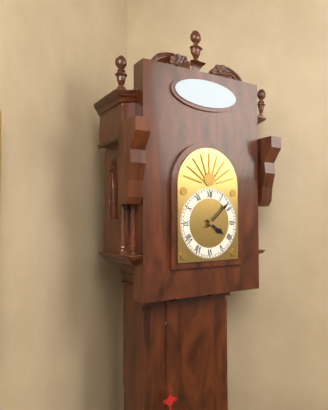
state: 4:08
